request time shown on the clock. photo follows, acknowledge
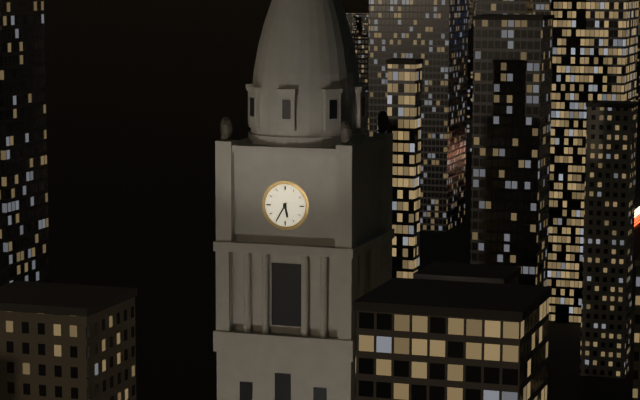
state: 5:35
